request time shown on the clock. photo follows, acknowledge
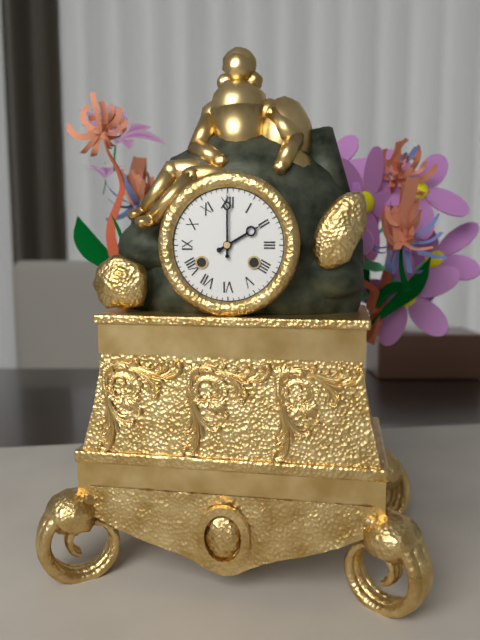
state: 2:00
